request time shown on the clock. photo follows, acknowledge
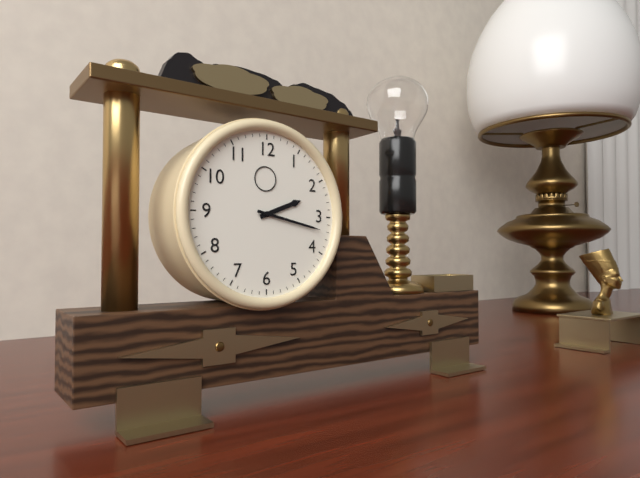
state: 2:17
